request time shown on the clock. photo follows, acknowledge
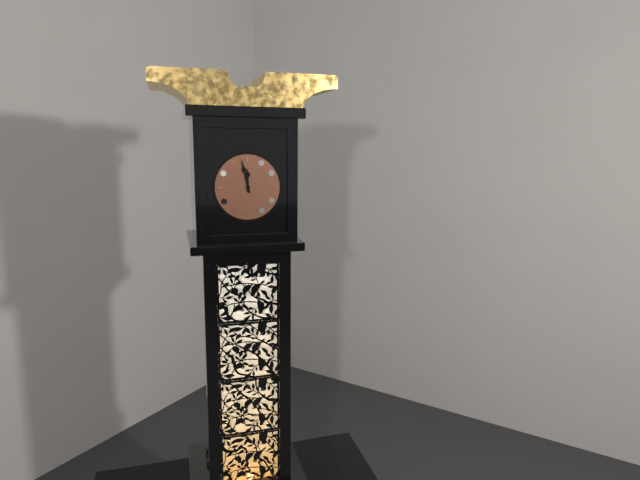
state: 11:58
